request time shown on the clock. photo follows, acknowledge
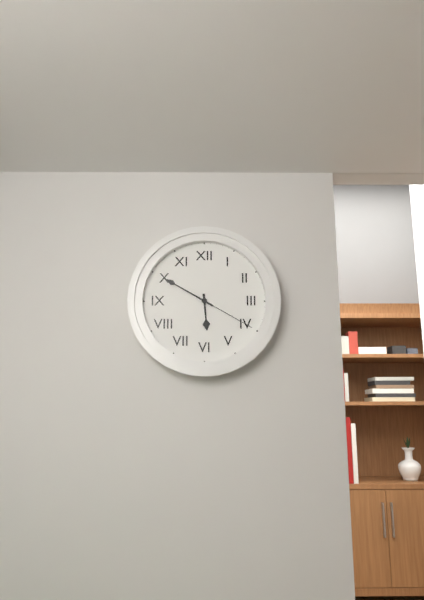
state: 5:50:20
